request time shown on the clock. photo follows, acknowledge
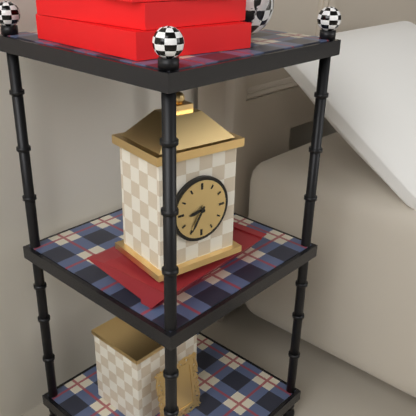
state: 8:35
